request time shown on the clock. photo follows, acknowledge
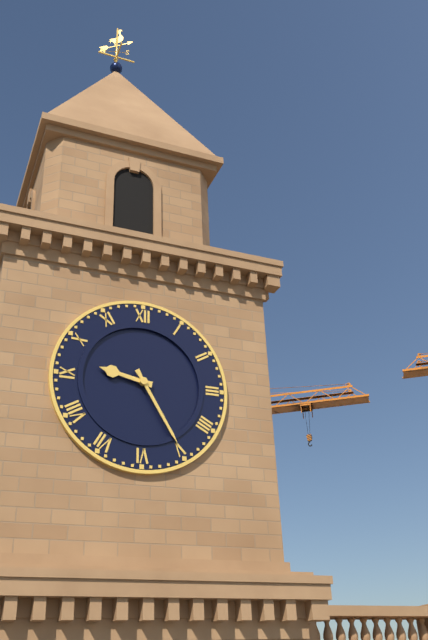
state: 9:25
